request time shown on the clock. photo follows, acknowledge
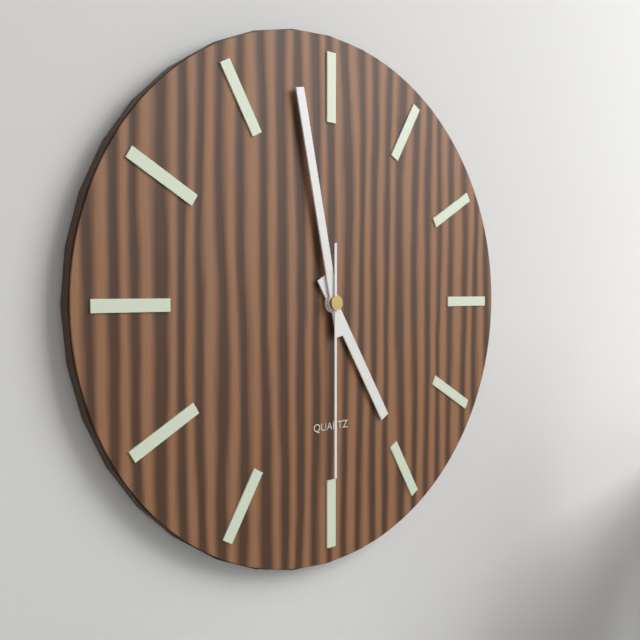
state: 4:58:30
